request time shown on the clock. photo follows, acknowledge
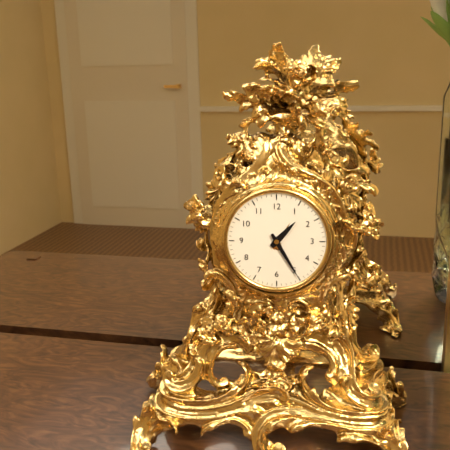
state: 1:25
